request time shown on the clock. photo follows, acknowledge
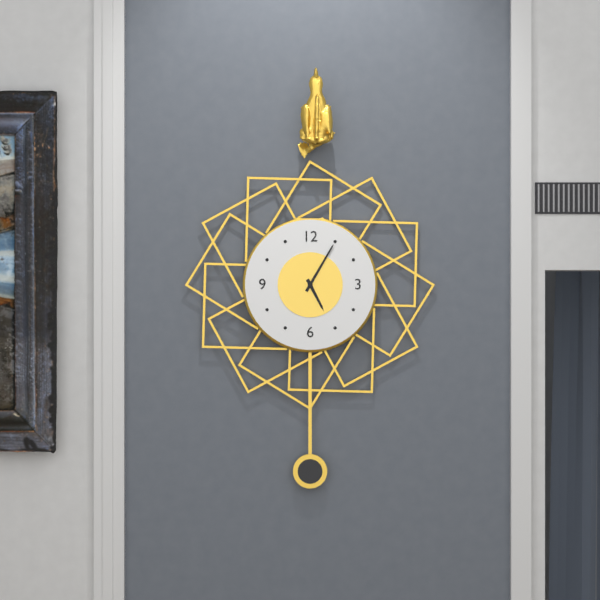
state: 5:05
